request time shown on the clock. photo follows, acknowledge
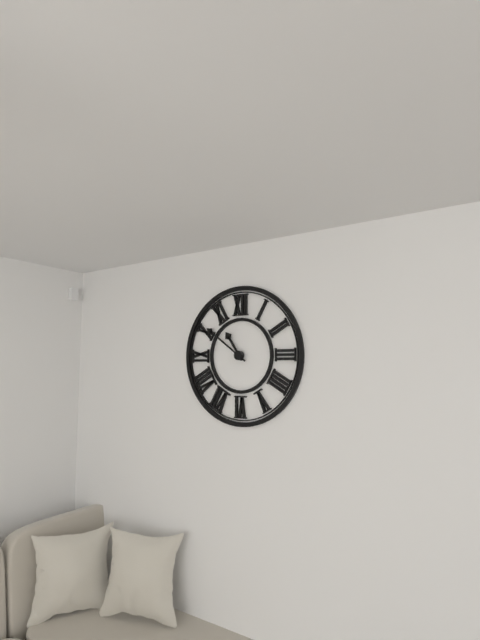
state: 10:51
